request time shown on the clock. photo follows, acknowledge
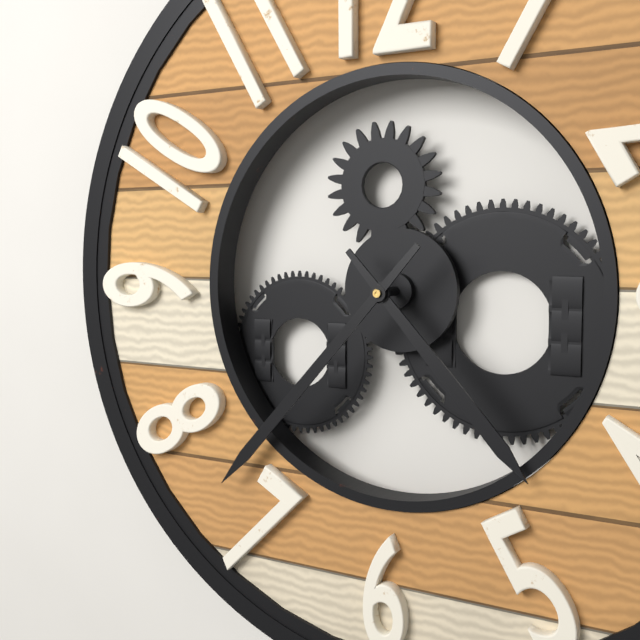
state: 4:37
